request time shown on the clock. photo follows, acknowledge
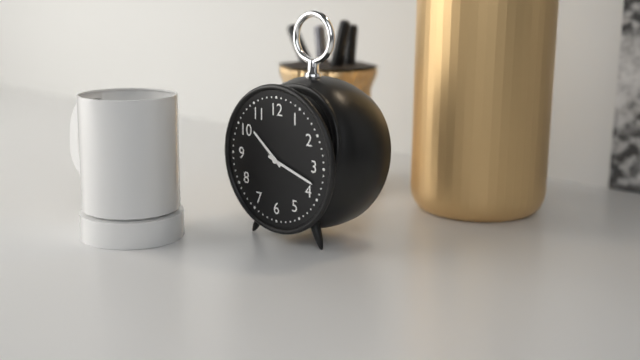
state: 10:18
